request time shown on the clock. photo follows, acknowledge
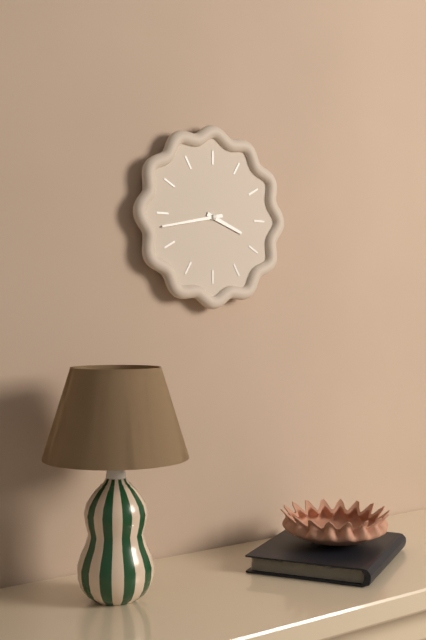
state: 3:43
